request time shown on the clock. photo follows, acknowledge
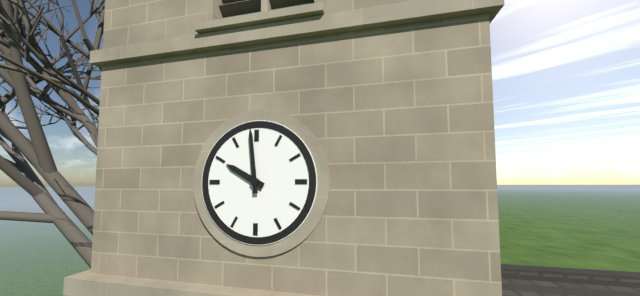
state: 9:59
